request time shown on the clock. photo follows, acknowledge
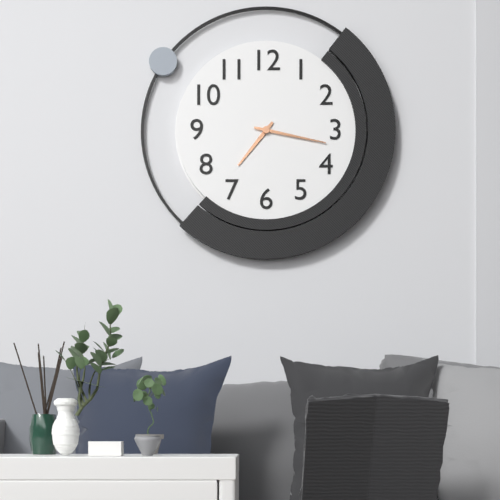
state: 7:17
